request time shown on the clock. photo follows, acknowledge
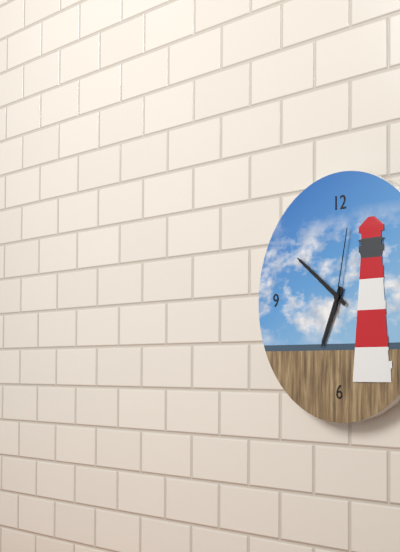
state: 6:51:02
